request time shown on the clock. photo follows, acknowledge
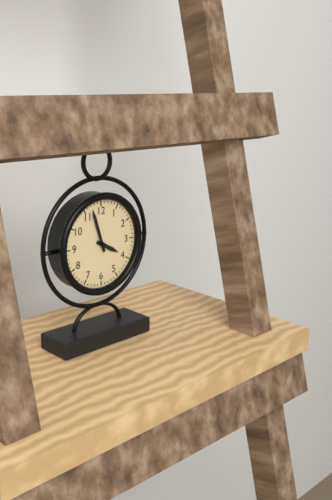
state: 3:57
